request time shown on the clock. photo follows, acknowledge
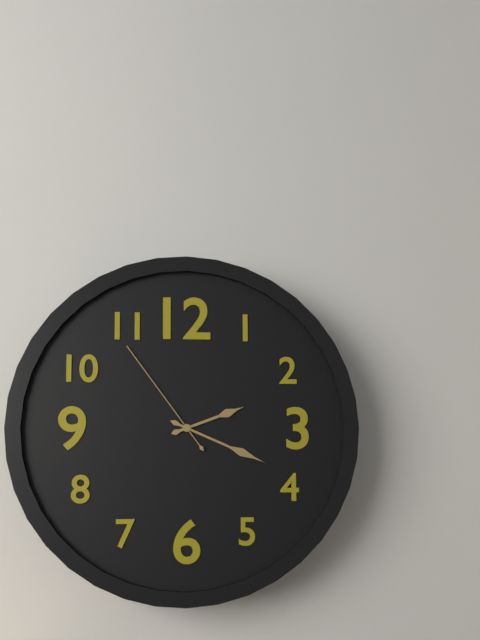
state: 2:19:54
